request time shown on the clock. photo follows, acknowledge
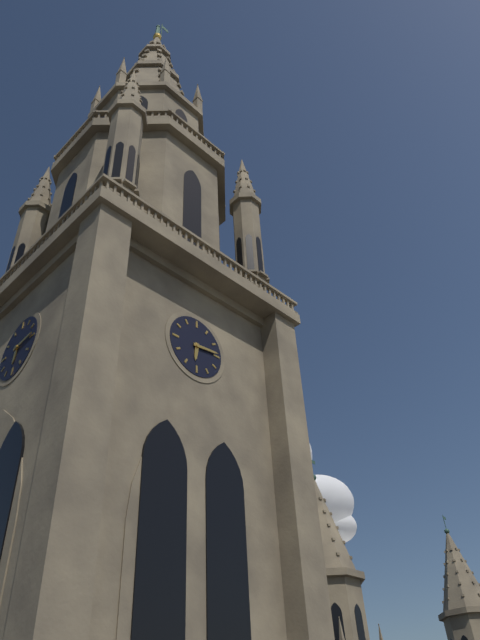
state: 6:14
